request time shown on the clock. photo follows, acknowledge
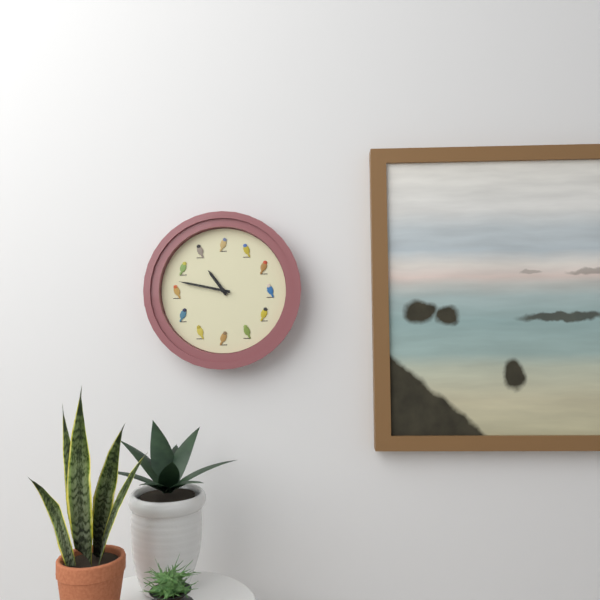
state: 10:47
